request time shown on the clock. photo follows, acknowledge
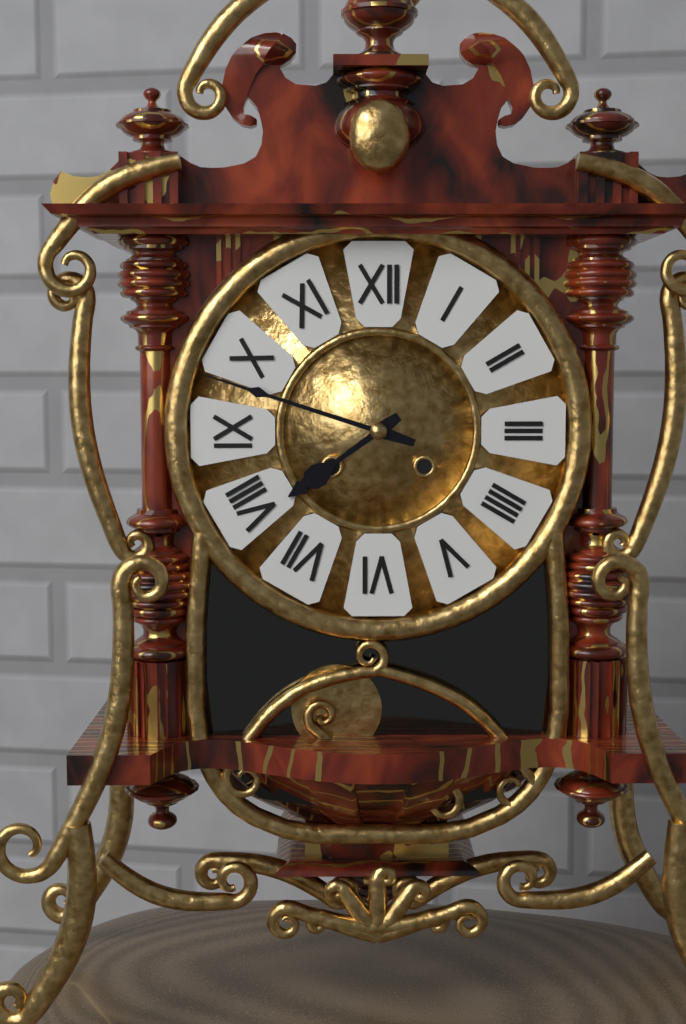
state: 7:48
